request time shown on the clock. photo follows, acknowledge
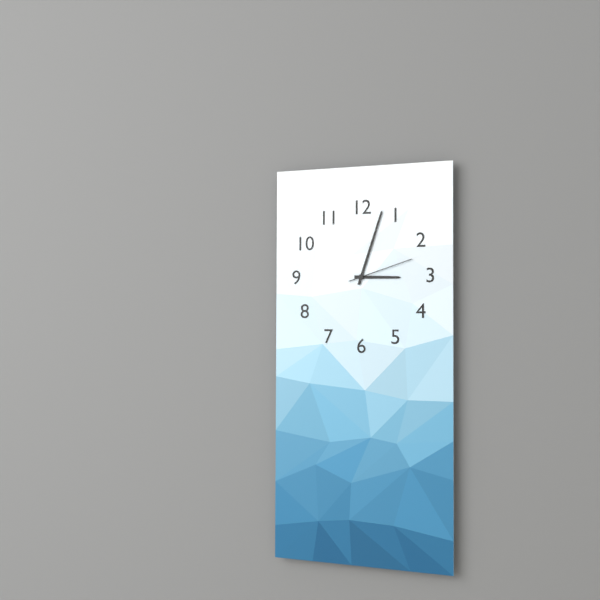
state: 3:03:12
